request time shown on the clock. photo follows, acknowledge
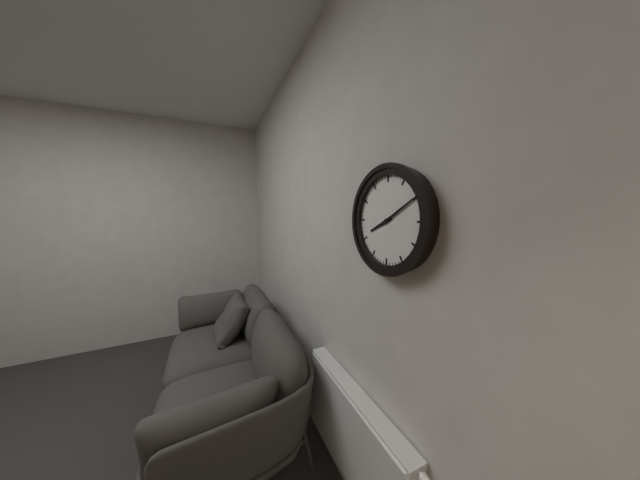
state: 8:10
